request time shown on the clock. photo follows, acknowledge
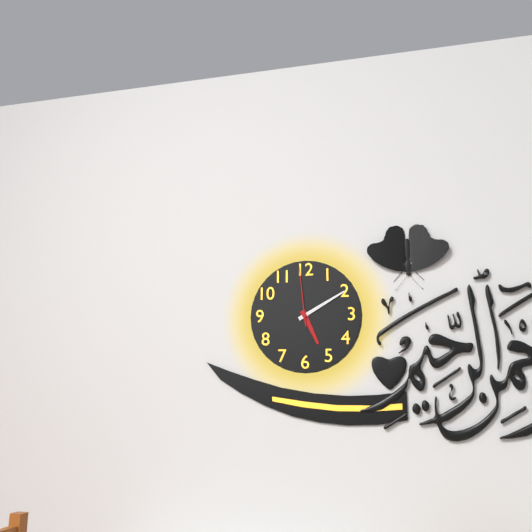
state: 5:10:59
